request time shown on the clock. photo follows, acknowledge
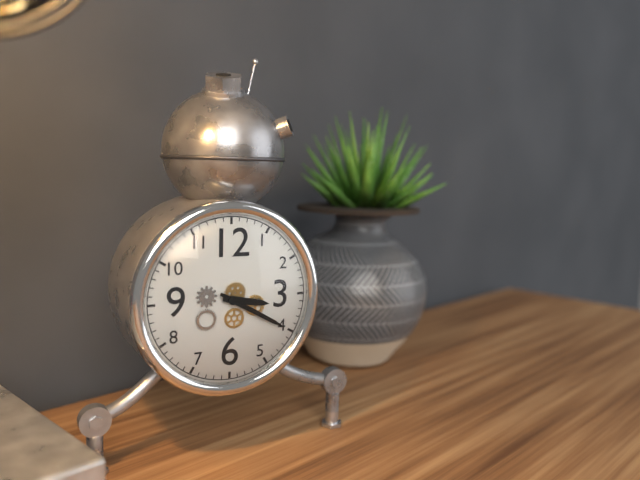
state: 3:20
